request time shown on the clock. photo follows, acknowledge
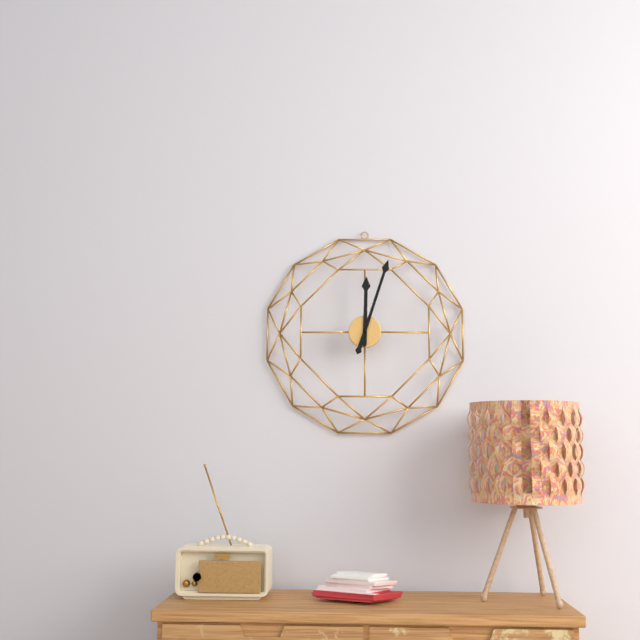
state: 12:03
